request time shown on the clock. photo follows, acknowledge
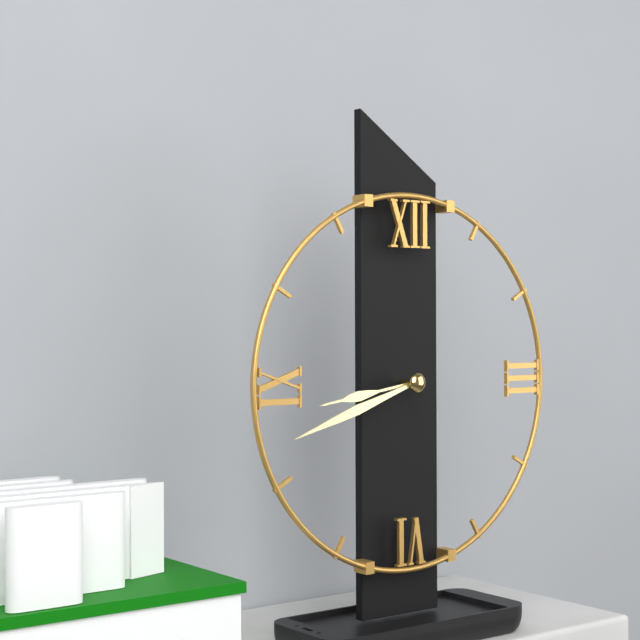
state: 8:42
